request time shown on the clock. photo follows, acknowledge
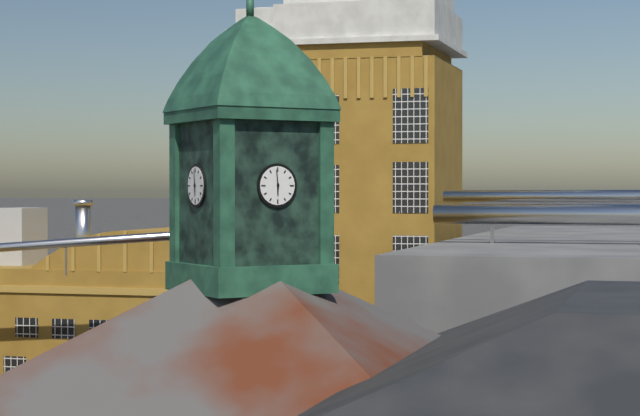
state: 5:59
